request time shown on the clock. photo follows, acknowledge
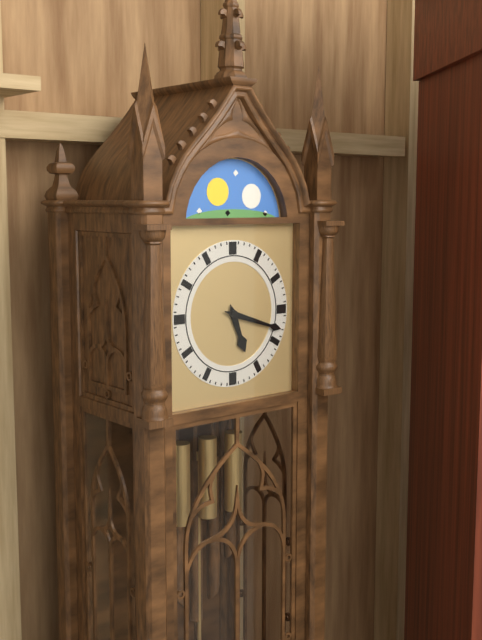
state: 5:18
